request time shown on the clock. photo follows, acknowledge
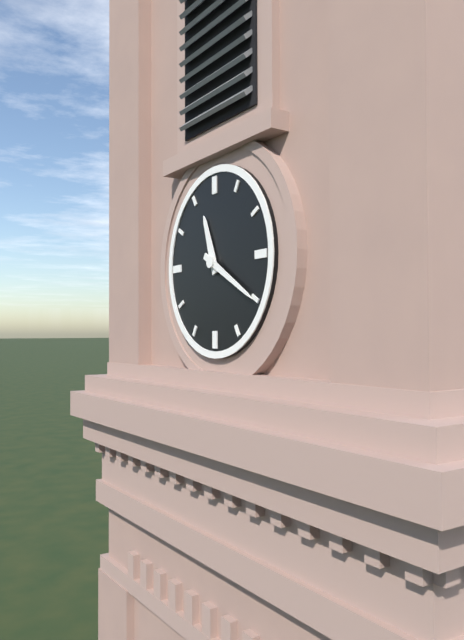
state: 11:20
